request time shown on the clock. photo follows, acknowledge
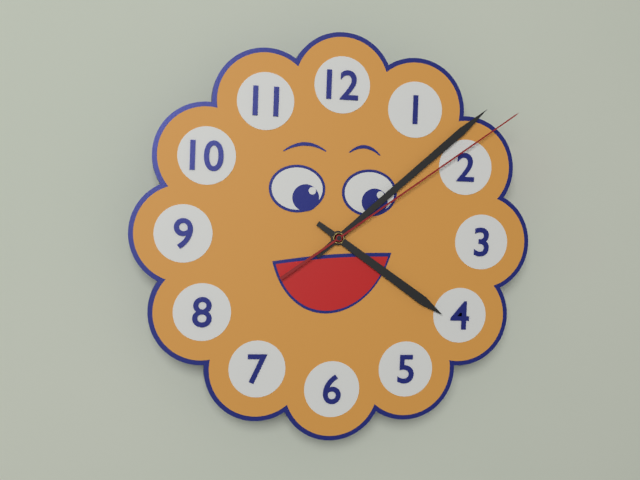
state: 4:08:09
